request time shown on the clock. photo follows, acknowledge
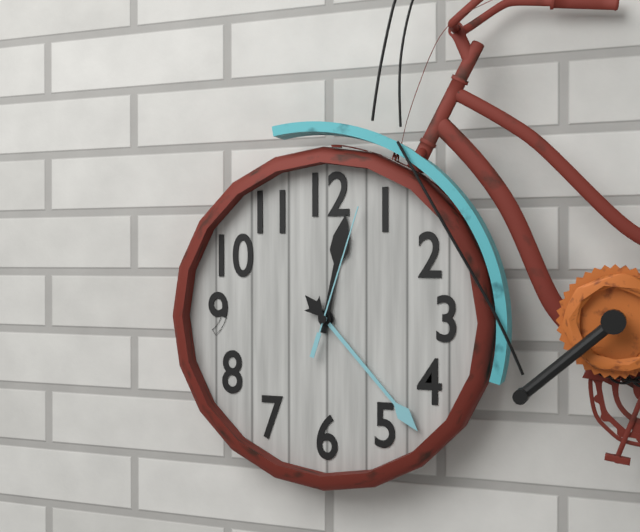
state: 12:23:03
